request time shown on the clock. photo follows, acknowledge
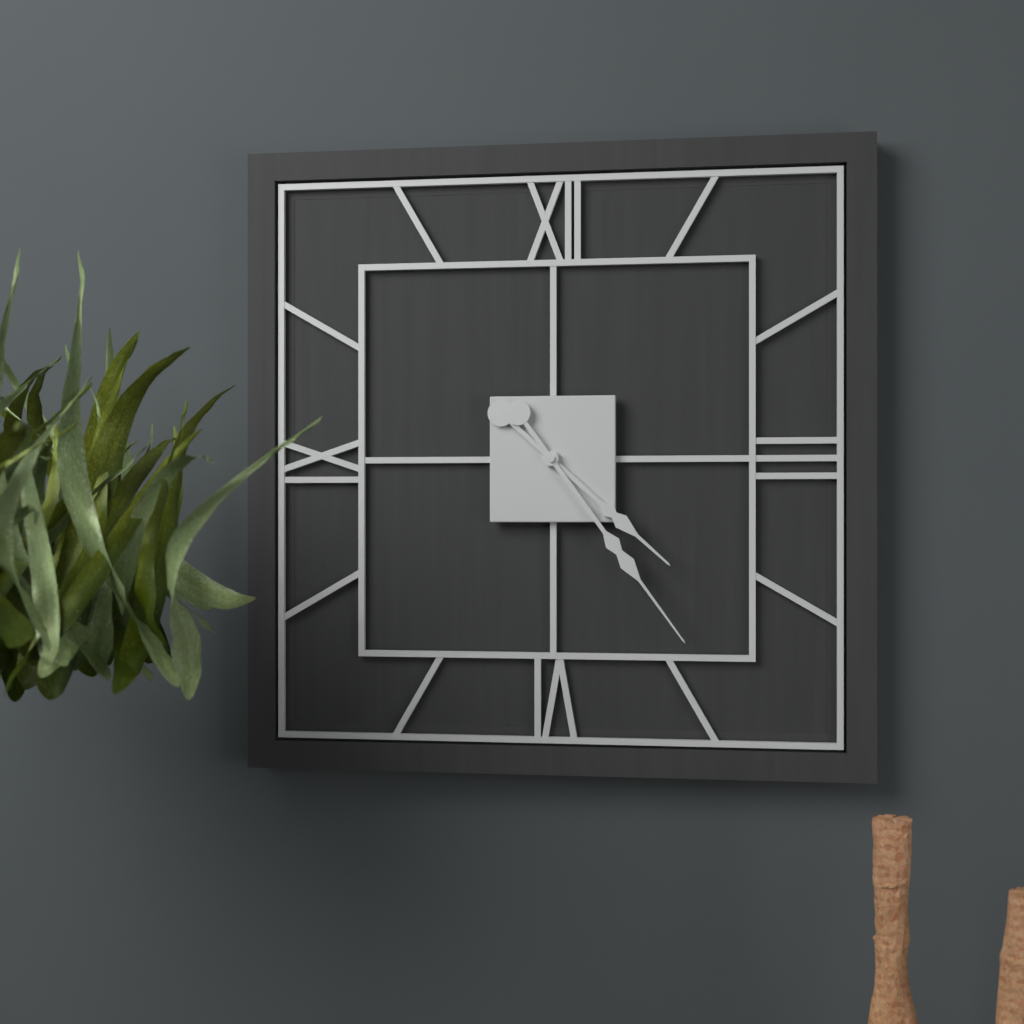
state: 4:24
